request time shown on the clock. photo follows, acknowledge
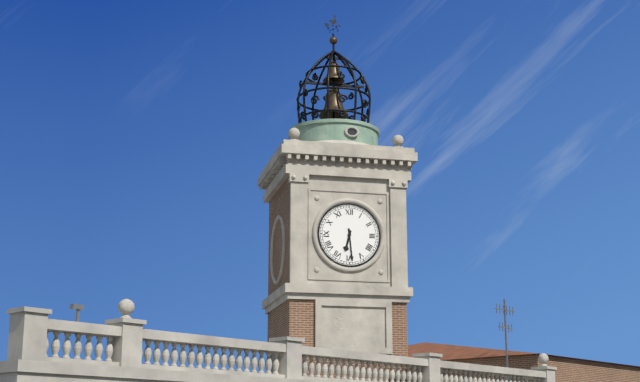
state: 6:29
